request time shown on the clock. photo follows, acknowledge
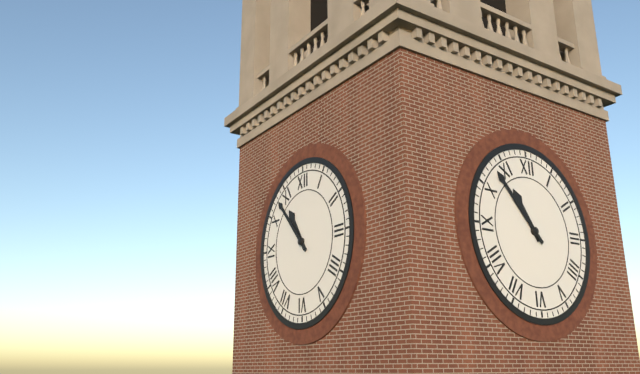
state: 10:53
